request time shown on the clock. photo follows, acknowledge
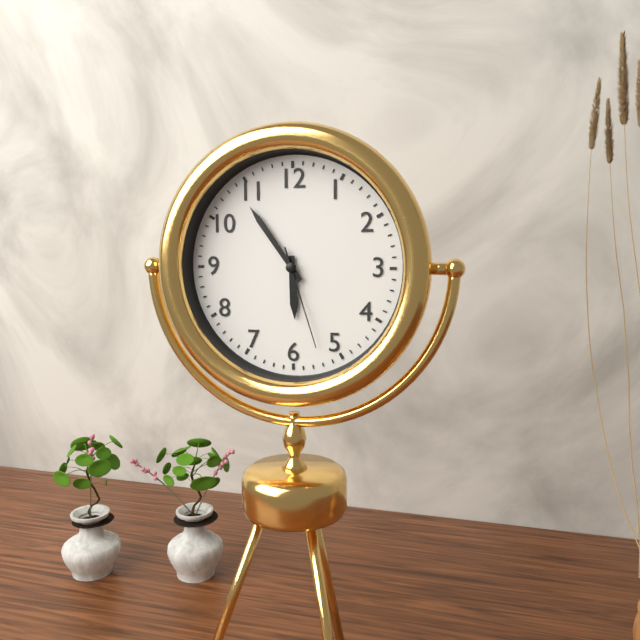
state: 5:54:27
